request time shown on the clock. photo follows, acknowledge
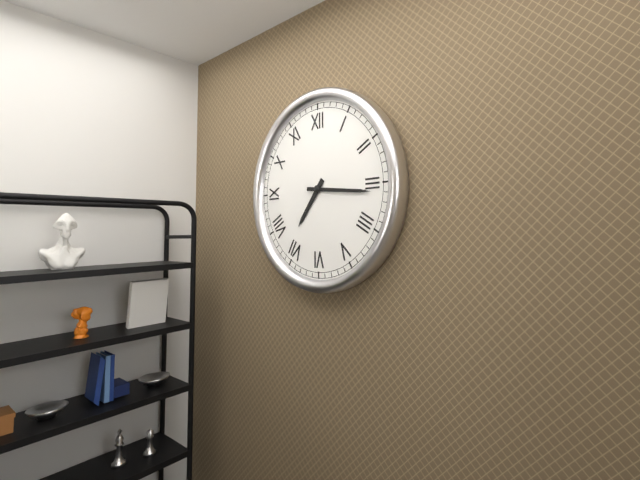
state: 7:16
